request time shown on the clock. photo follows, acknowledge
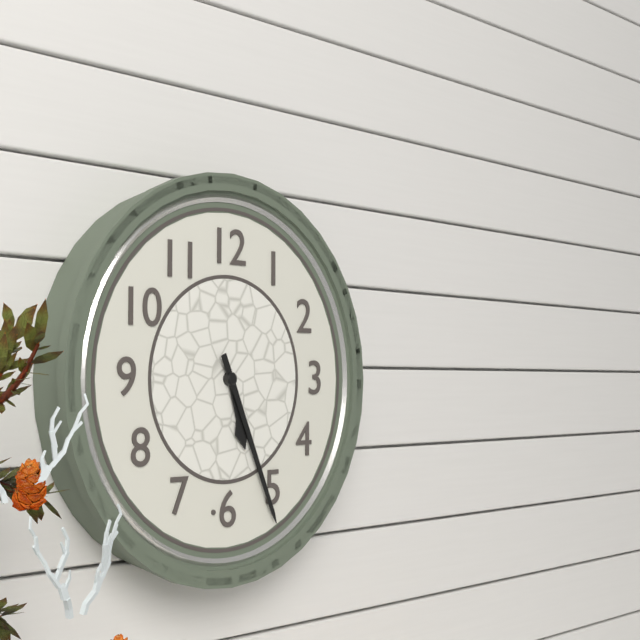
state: 5:26
